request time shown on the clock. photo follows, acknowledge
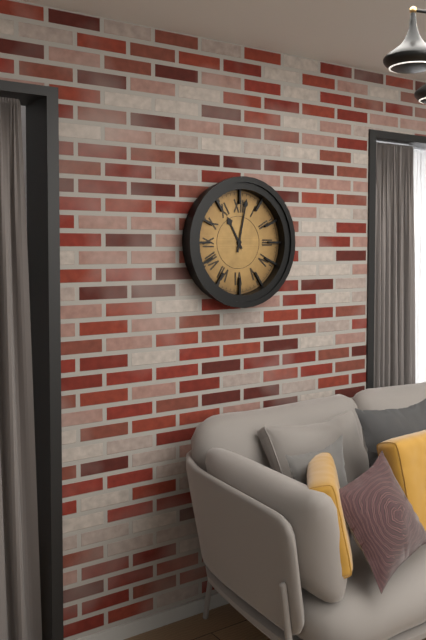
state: 11:02
